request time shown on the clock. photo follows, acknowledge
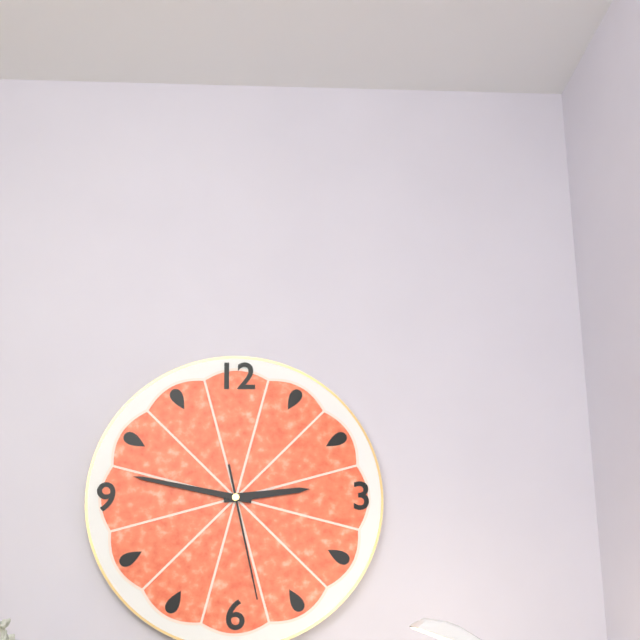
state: 2:47:28
